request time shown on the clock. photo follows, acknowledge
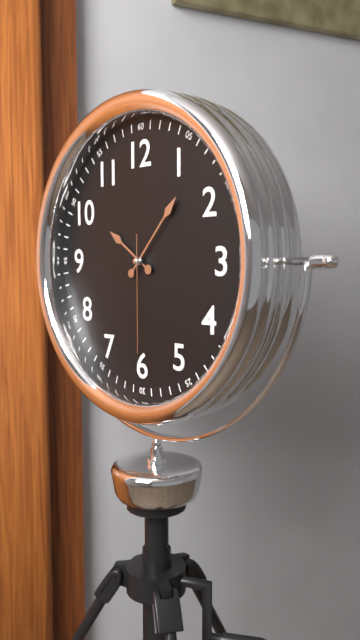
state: 10:07:30
